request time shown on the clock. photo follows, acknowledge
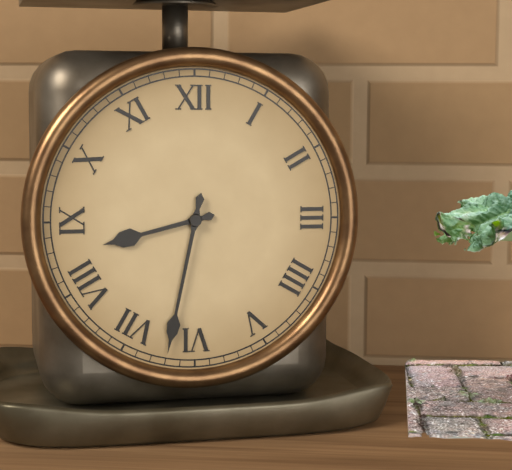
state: 8:32
